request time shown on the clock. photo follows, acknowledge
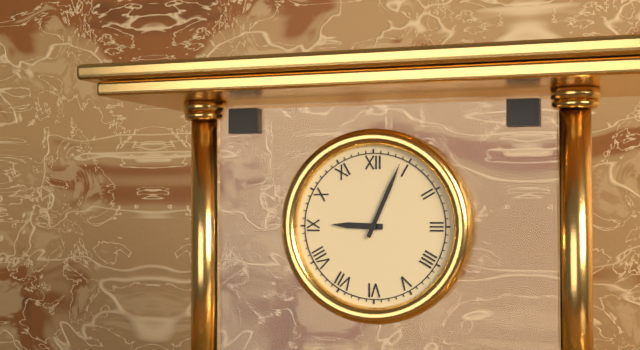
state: 9:04
